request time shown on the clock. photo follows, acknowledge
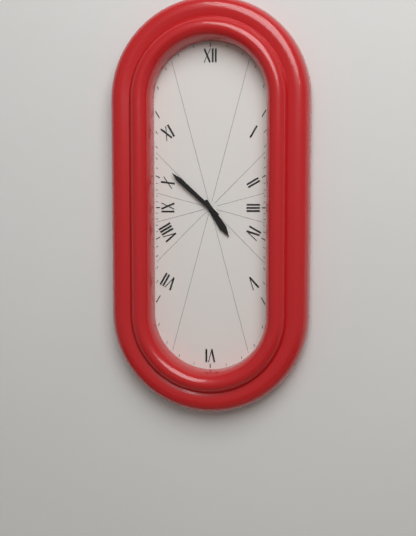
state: 4:52
